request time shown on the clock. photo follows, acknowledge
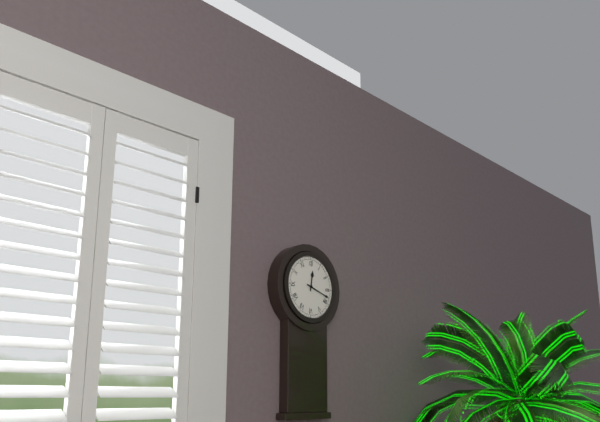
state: 12:18
